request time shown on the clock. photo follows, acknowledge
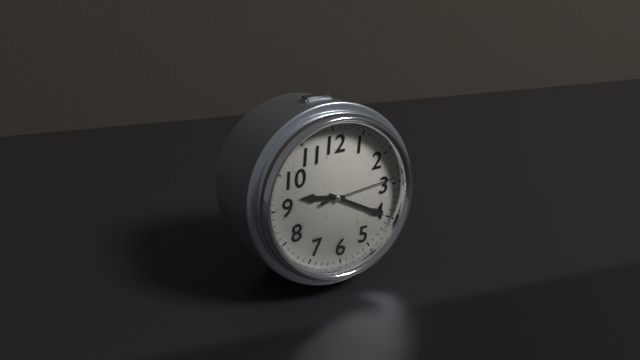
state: 9:20:14
